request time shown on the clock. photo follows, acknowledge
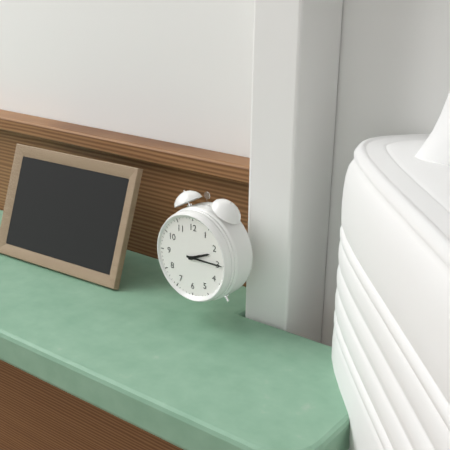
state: 2:15
